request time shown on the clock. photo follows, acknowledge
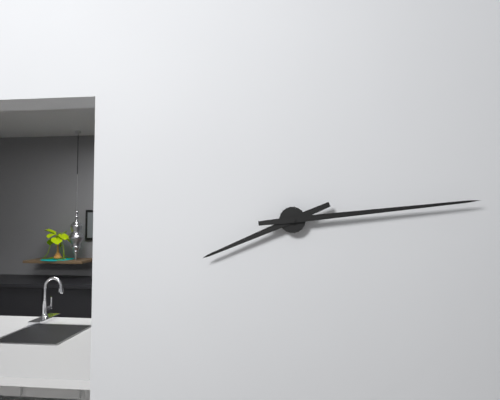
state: 8:14
